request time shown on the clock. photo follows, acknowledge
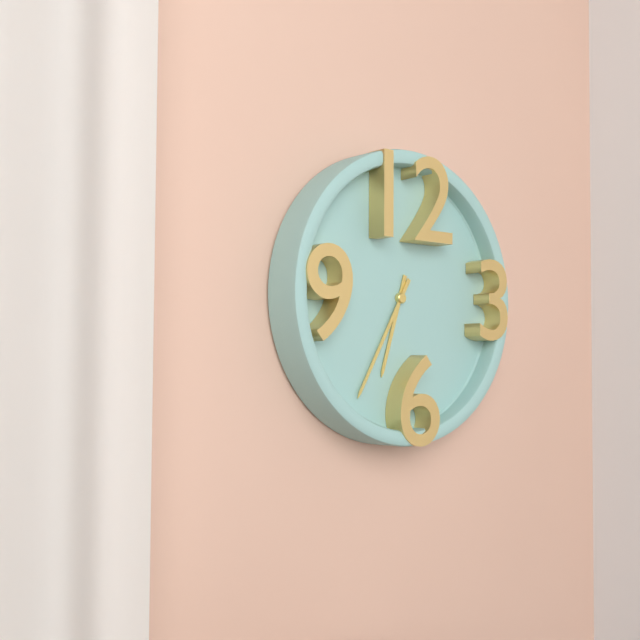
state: 6:35
